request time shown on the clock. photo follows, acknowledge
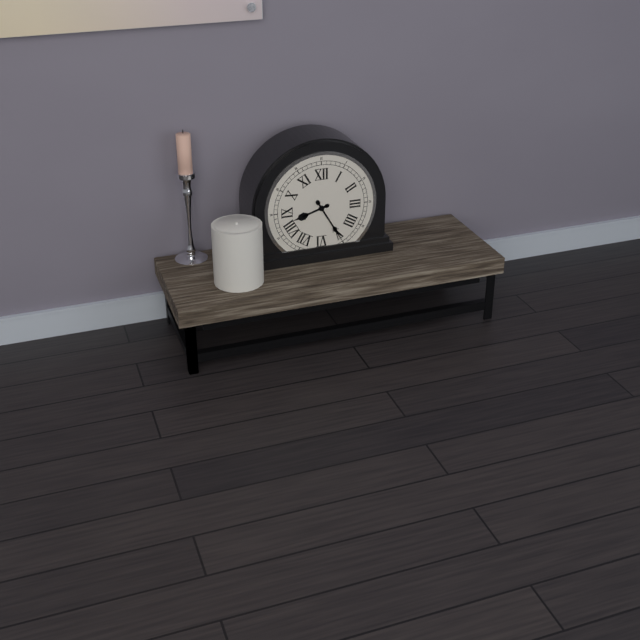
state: 8:25
